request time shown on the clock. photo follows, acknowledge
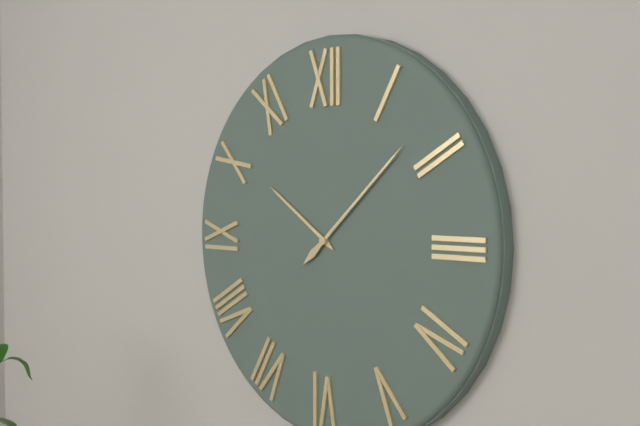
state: 10:08
